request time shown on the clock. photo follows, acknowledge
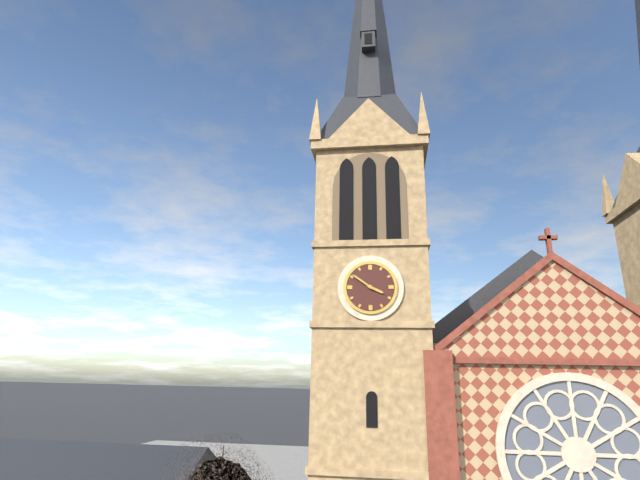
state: 3:51
